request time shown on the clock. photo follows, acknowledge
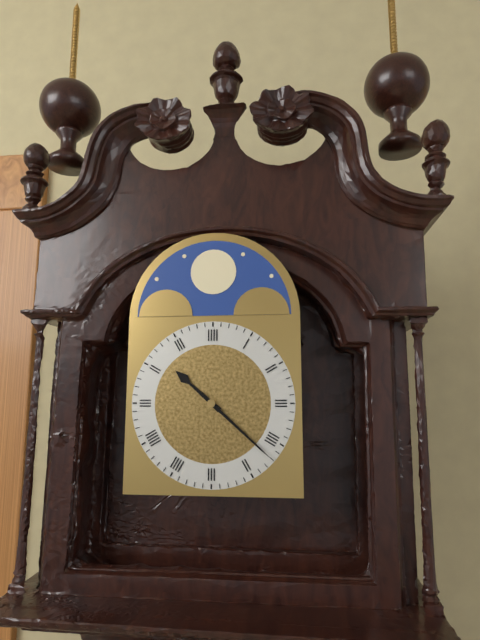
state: 10:22
